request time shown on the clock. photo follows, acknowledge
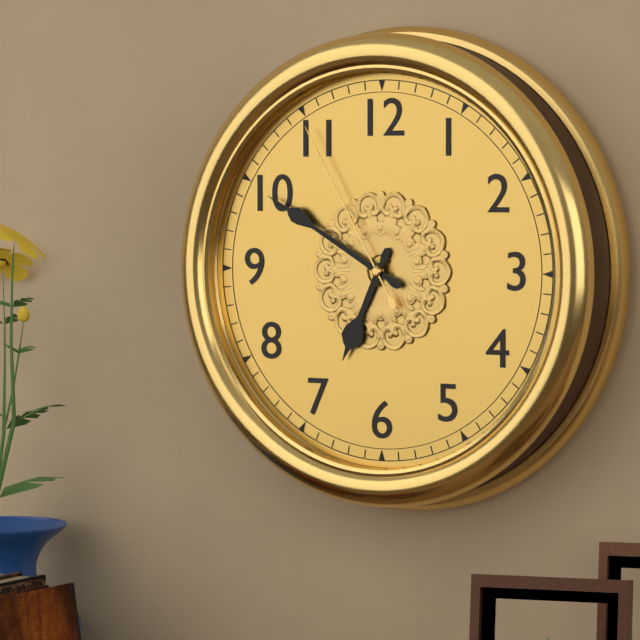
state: 6:50:55
